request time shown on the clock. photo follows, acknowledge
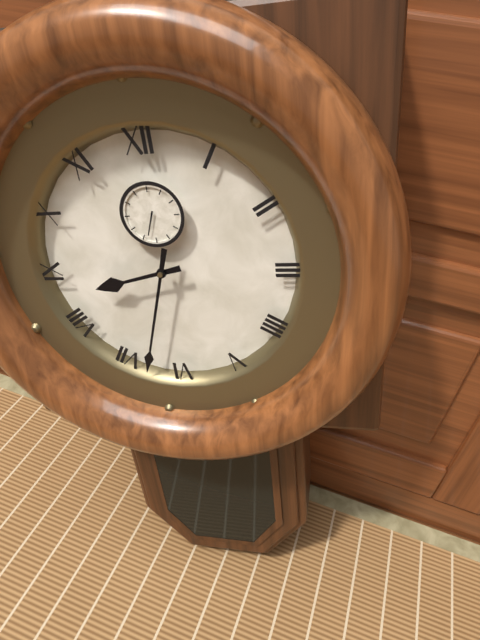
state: 8:33
